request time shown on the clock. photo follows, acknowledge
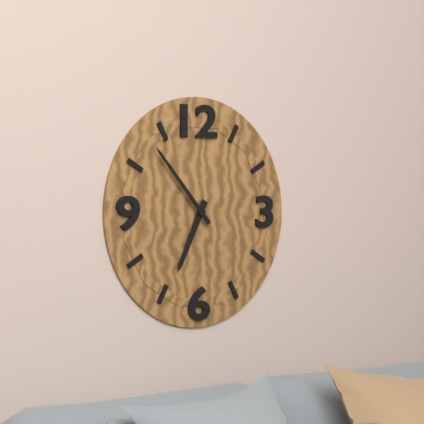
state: 6:53
